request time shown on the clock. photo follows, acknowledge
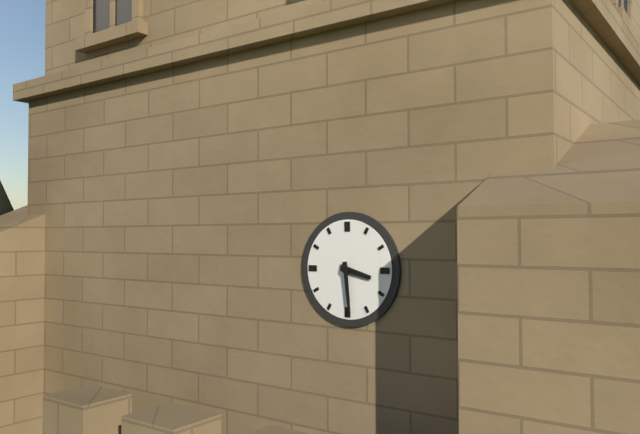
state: 3:29
